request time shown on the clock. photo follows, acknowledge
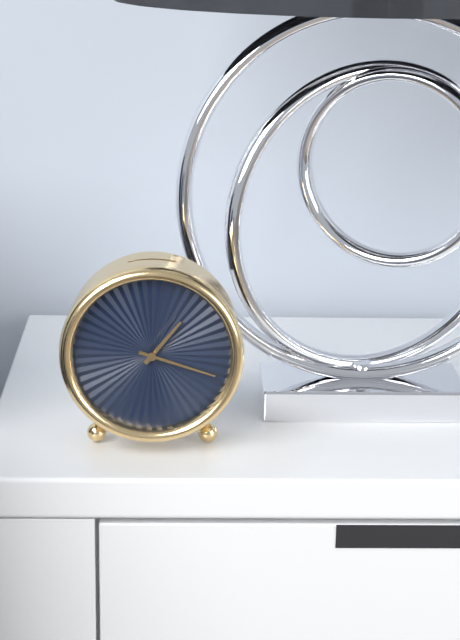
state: 1:18
